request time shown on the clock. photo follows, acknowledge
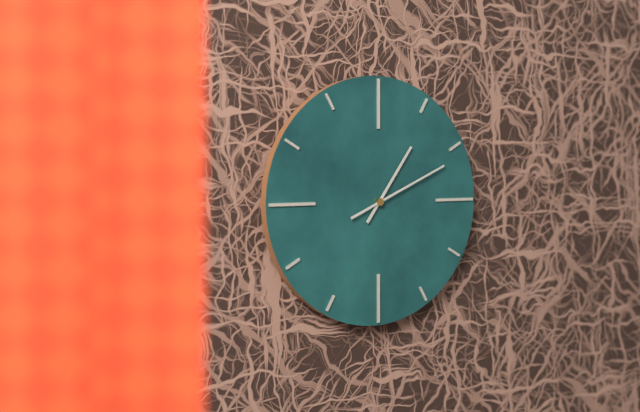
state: 1:11
